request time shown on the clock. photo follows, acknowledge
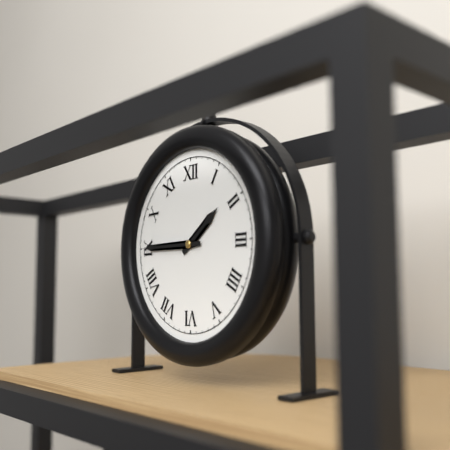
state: 1:45
